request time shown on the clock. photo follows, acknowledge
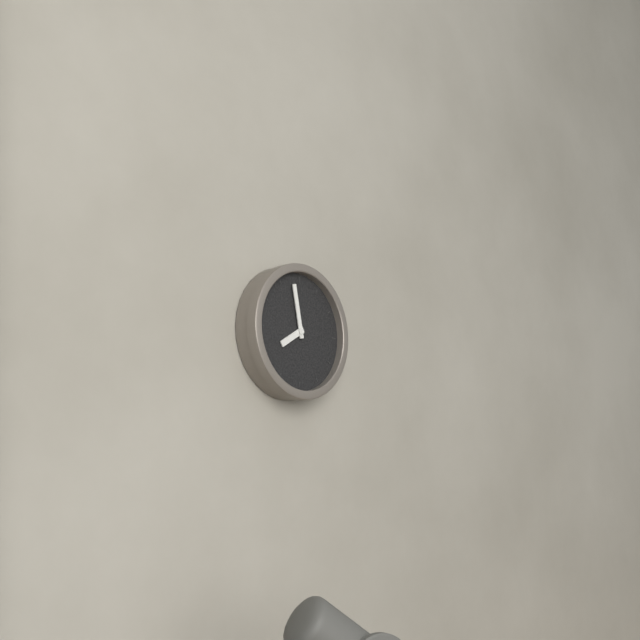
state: 7:58
